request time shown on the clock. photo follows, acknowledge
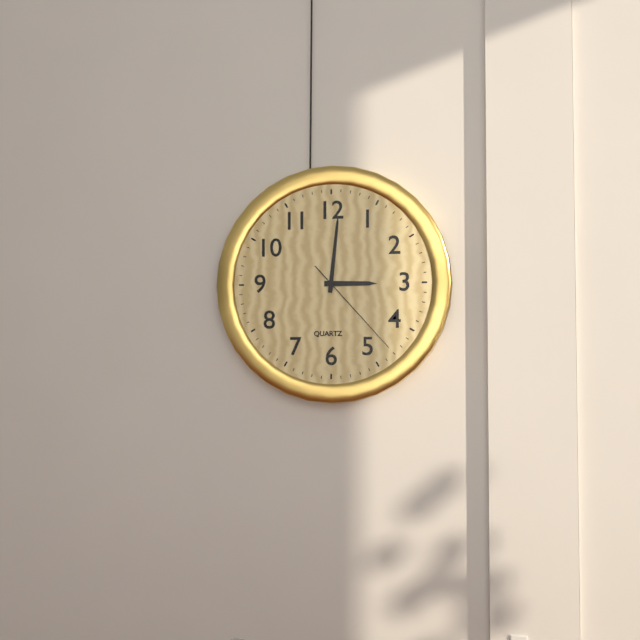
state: 3:01:23
